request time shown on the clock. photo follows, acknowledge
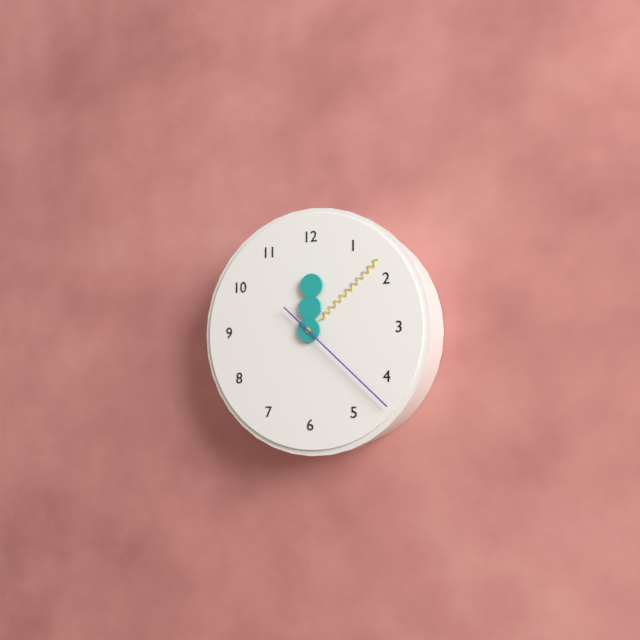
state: 12:08:22
